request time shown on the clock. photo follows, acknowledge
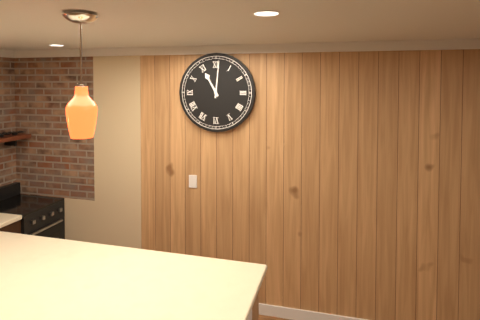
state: 11:01
